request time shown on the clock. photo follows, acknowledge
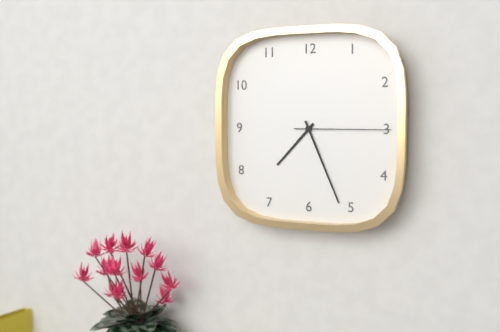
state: 7:26:15
